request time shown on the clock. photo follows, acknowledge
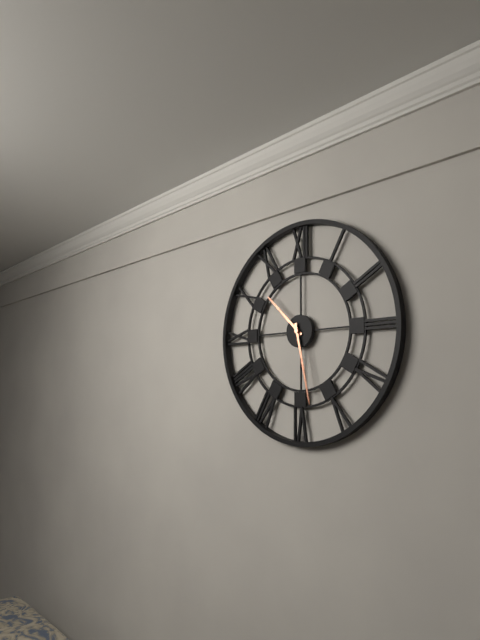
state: 10:28
